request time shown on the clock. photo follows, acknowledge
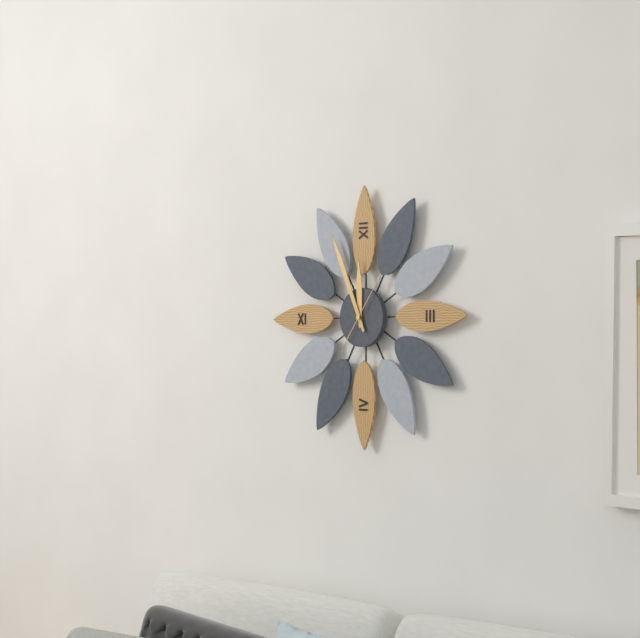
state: 11:56:06
